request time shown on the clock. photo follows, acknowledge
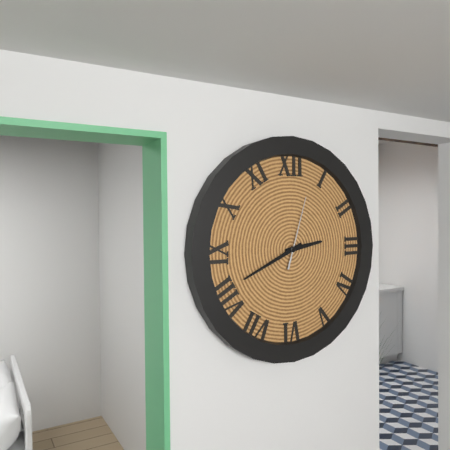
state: 2:41:03
